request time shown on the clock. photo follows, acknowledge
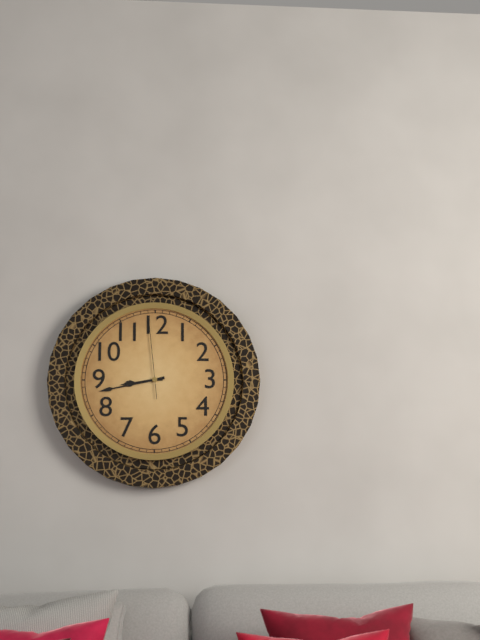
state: 8:43:59
